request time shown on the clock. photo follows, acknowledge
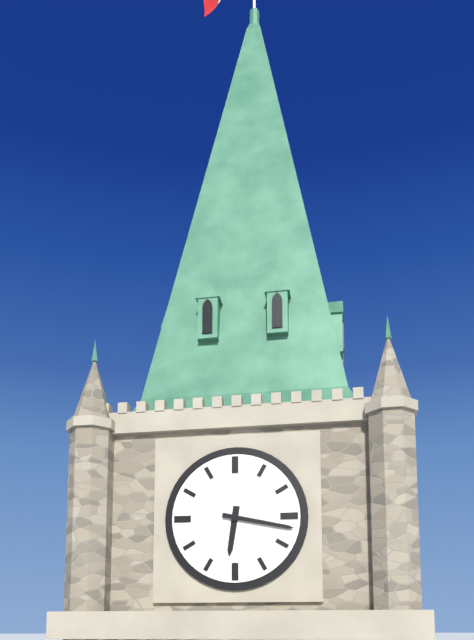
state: 6:17
